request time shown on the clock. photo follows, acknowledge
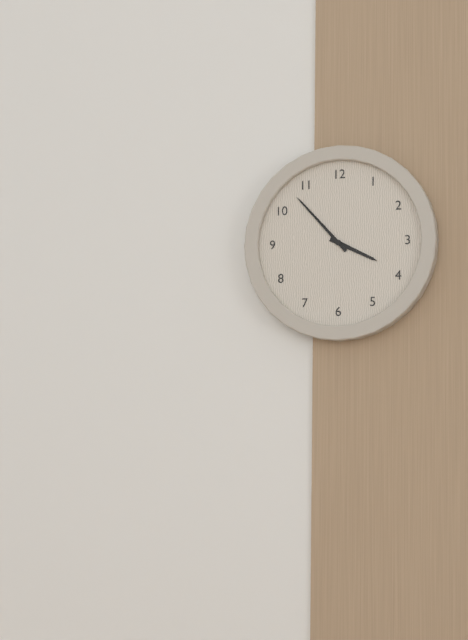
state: 3:53
